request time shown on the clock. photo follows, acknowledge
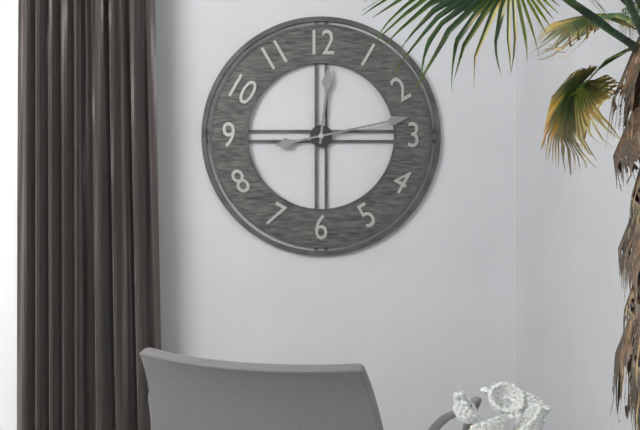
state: 12:13
